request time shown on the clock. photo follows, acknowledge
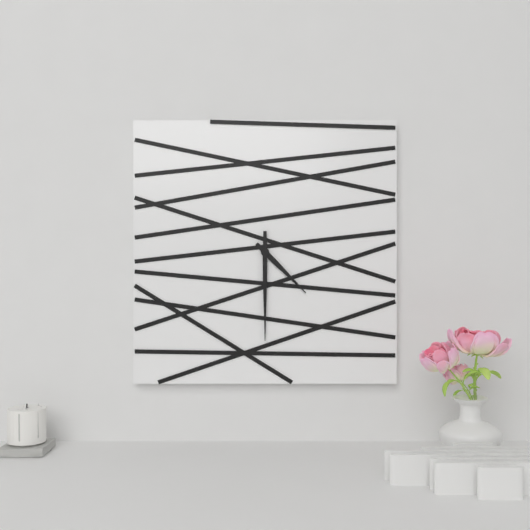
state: 4:30
